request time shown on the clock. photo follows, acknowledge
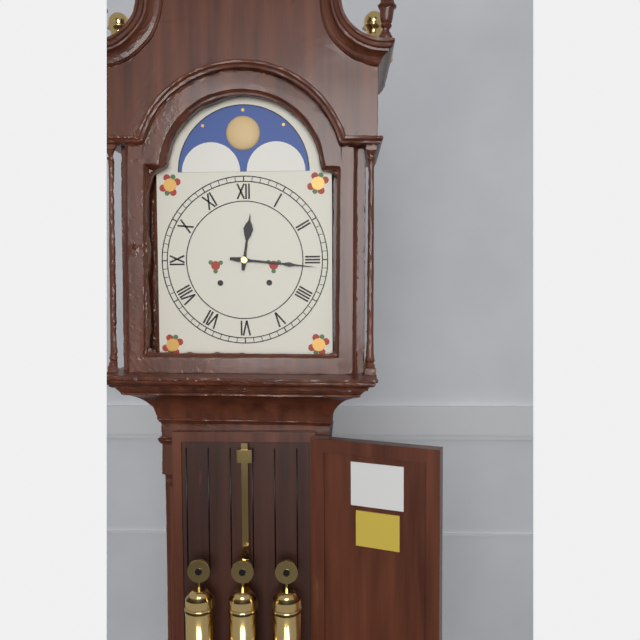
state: 12:16
